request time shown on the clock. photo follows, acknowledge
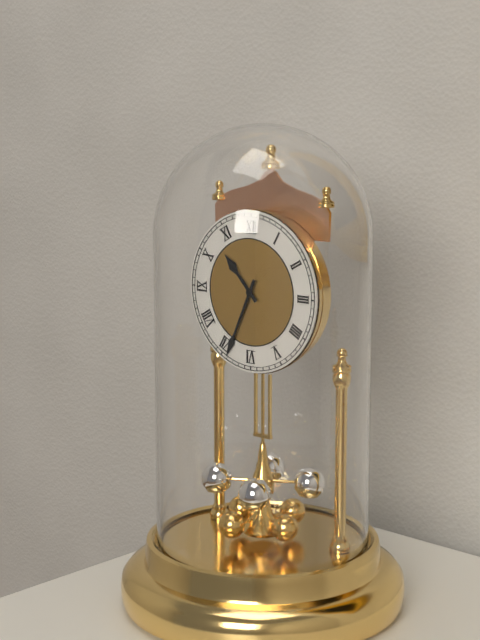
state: 10:34
